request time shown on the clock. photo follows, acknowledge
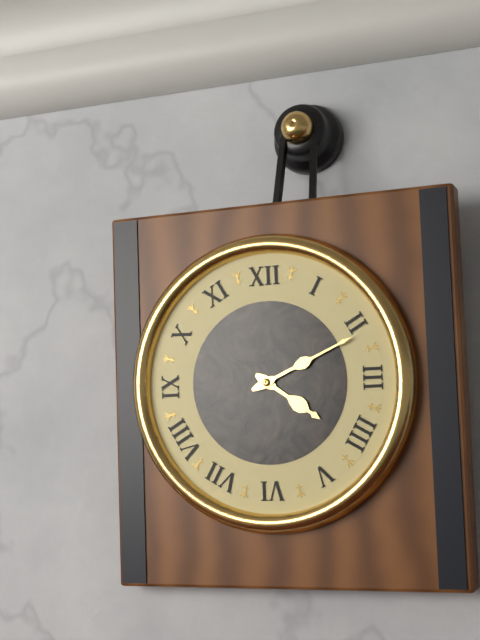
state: 4:11
